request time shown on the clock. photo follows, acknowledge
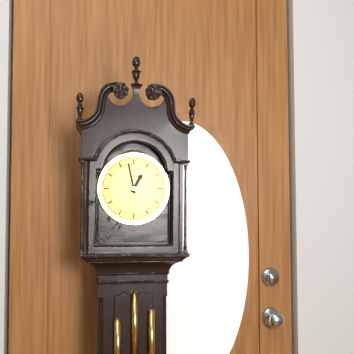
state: 12:58
